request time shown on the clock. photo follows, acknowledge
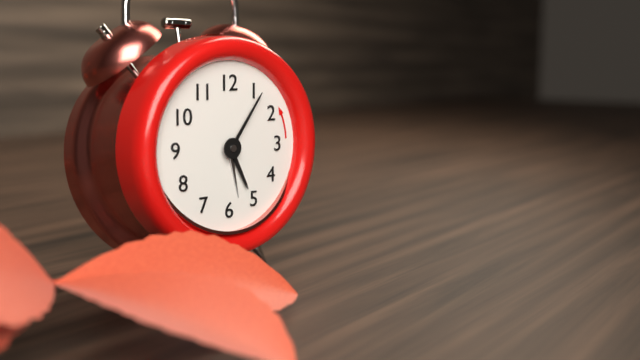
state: 5:06:28
